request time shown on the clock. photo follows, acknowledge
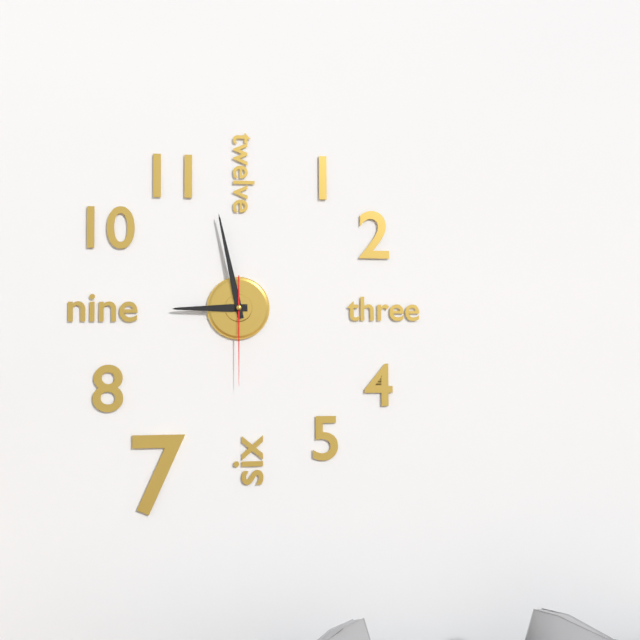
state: 8:58:30
